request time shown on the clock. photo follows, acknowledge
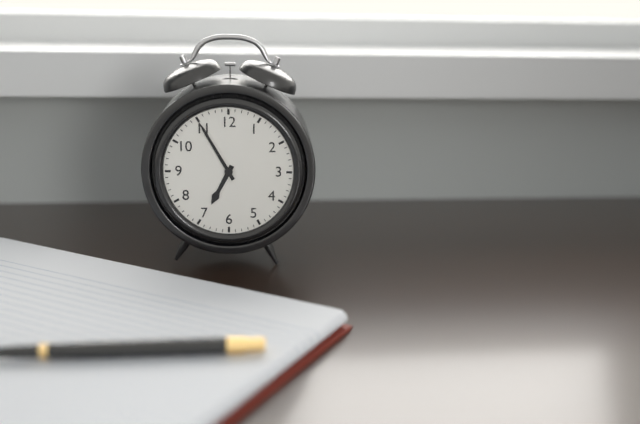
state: 6:55
